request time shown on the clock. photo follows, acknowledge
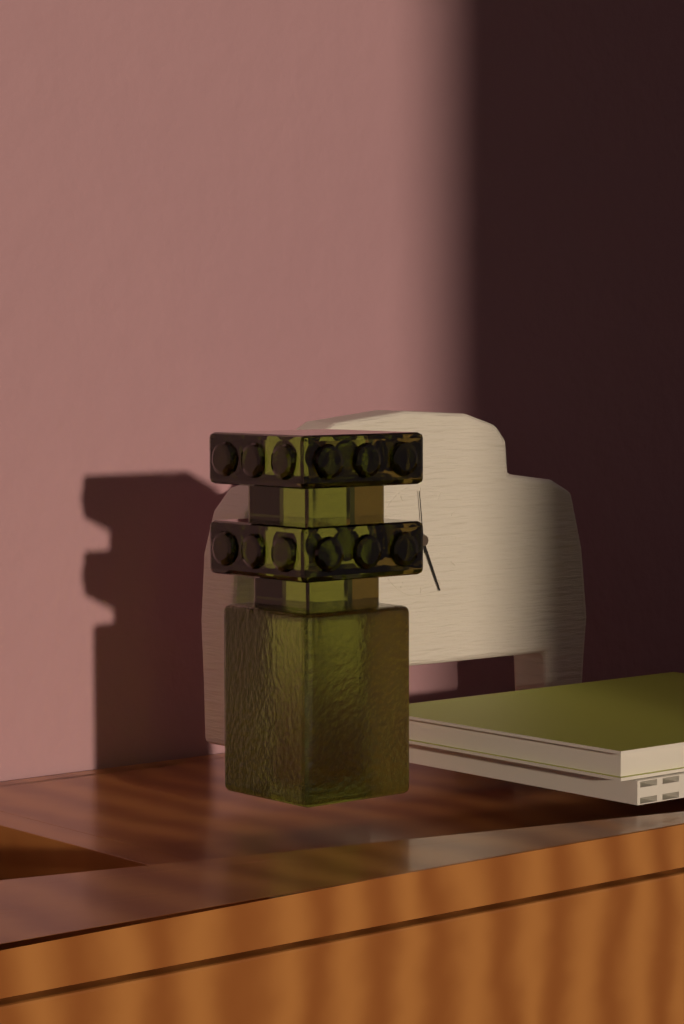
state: 7:26:59
